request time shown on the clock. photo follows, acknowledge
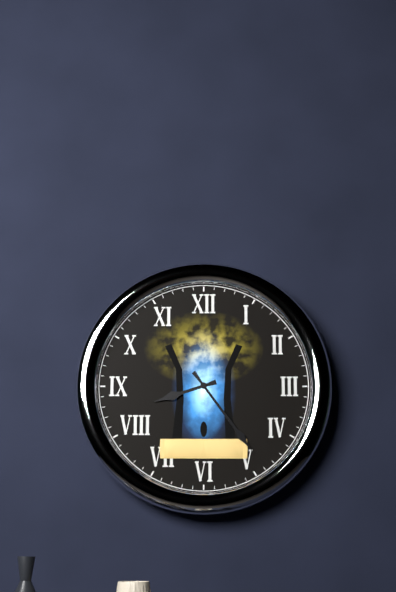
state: 8:24
